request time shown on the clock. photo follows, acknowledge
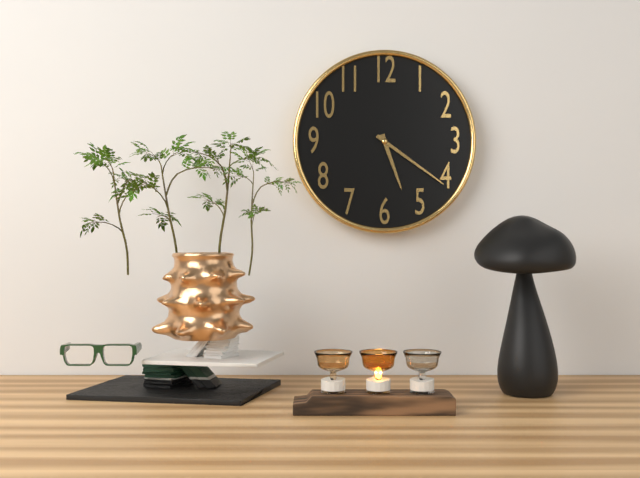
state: 5:21
